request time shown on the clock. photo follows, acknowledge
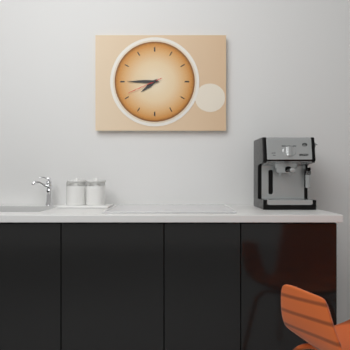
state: 7:45
